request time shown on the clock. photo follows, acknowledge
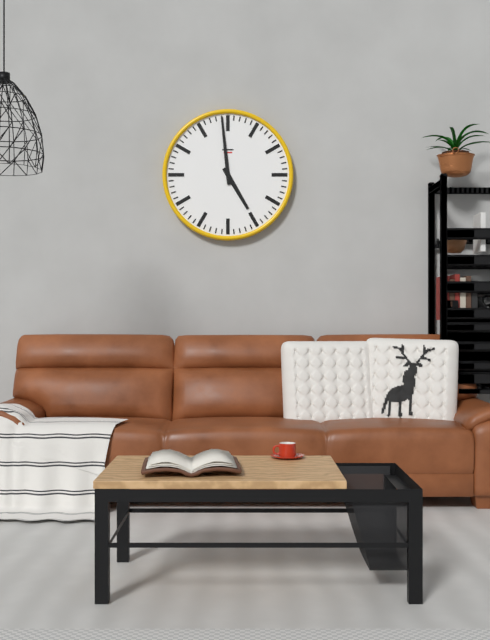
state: 4:59
